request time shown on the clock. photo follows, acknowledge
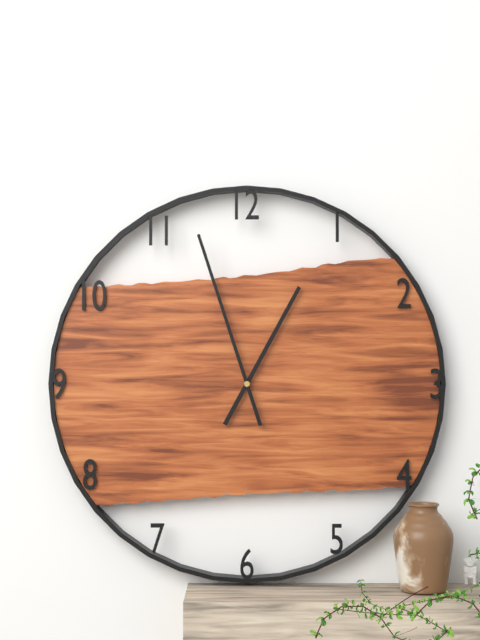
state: 12:57
